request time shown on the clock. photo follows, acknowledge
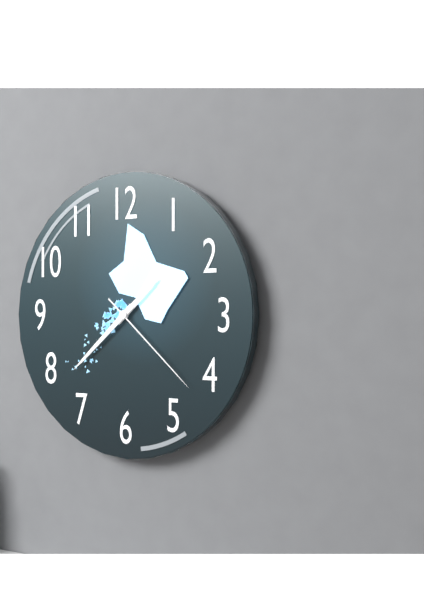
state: 1:38:22
